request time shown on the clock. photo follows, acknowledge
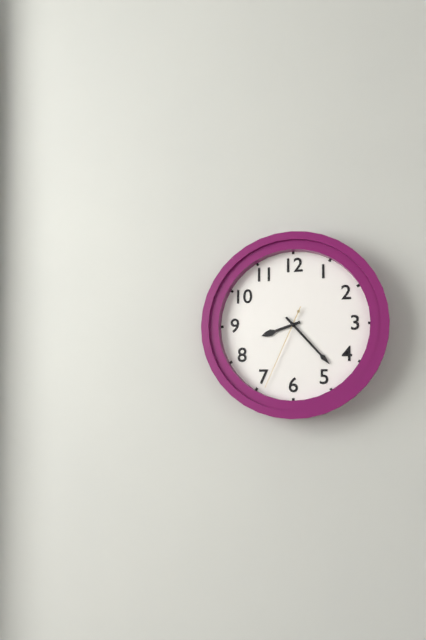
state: 8:23:34
